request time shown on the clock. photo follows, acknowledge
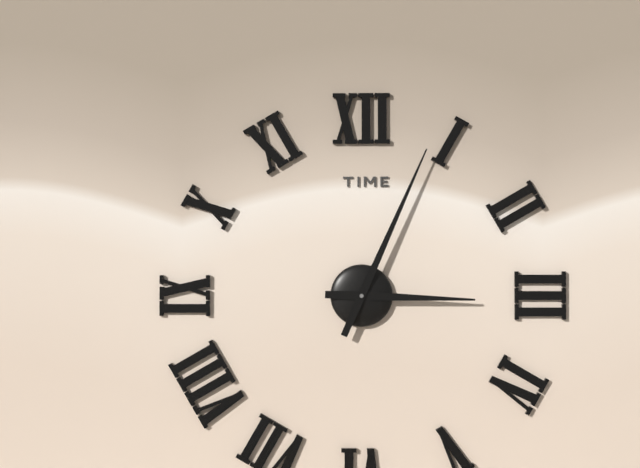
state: 3:04
